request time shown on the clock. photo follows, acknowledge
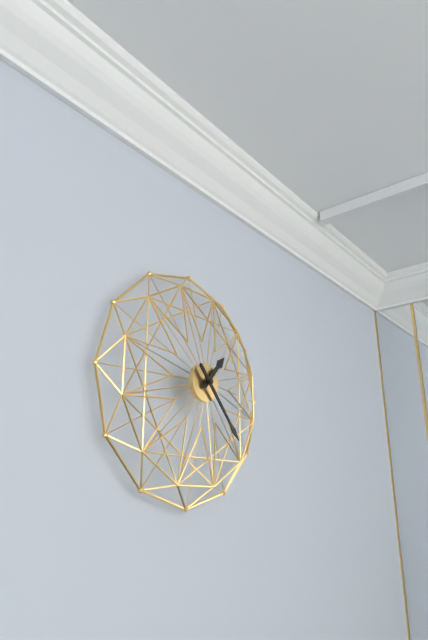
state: 1:23
